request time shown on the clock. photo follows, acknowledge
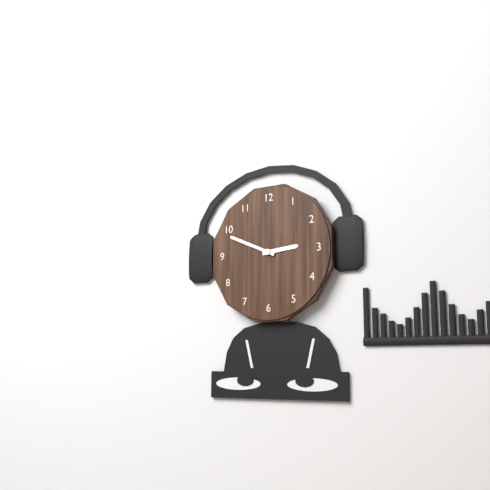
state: 2:49
